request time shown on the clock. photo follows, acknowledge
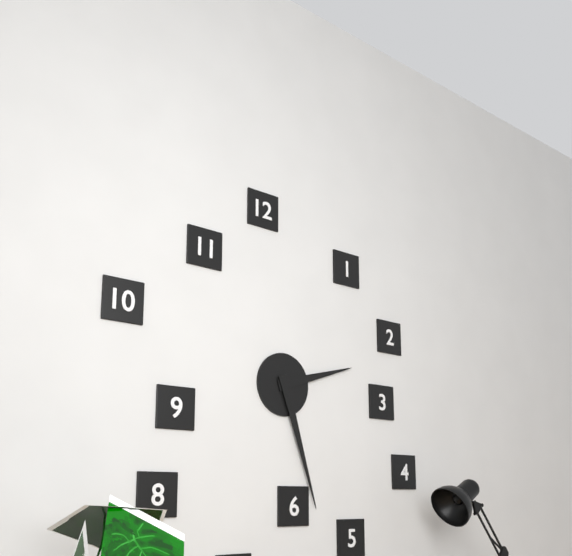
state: 2:27
